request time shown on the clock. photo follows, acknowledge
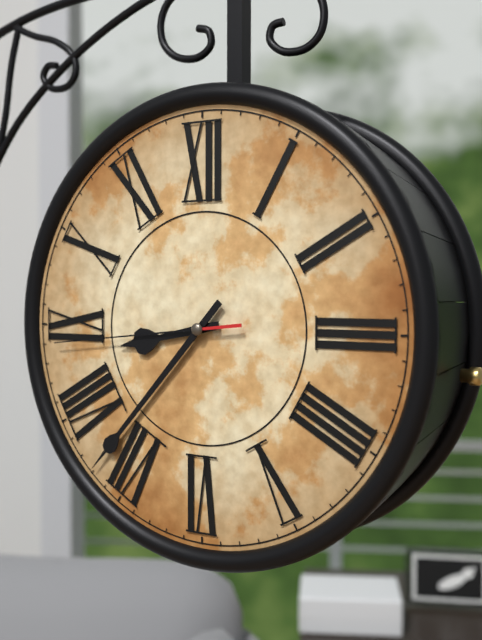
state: 8:37:44
